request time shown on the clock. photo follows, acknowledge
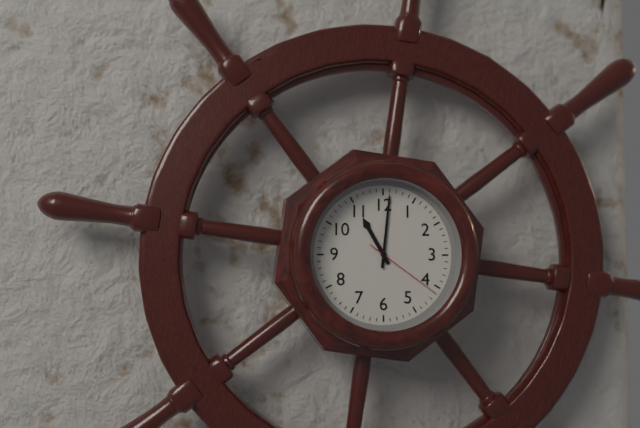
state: 11:01:21
